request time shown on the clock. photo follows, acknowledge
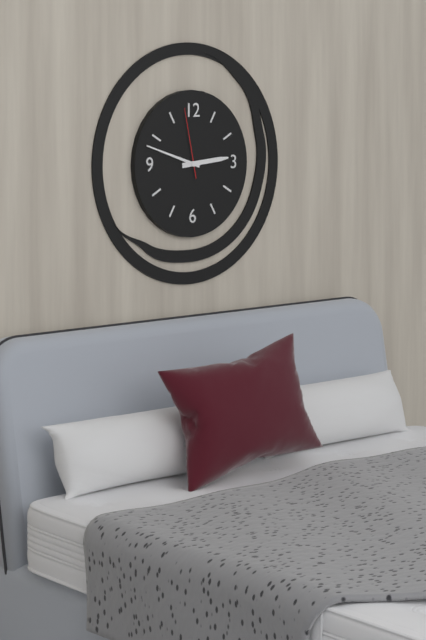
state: 2:48:58
